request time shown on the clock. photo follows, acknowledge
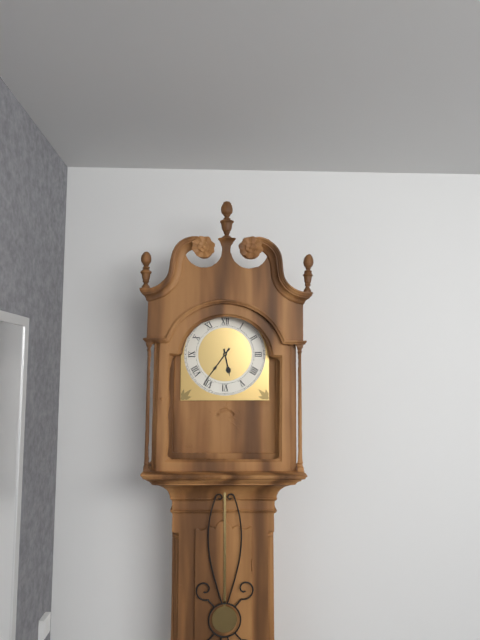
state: 5:36
